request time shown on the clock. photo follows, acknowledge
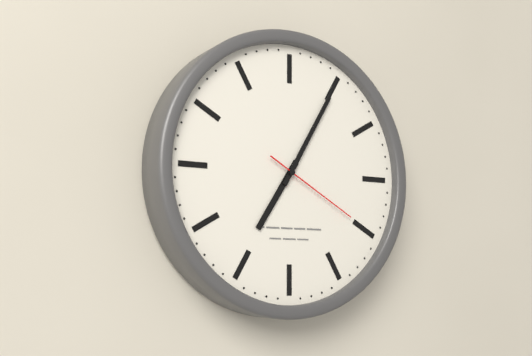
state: 7:05:20
